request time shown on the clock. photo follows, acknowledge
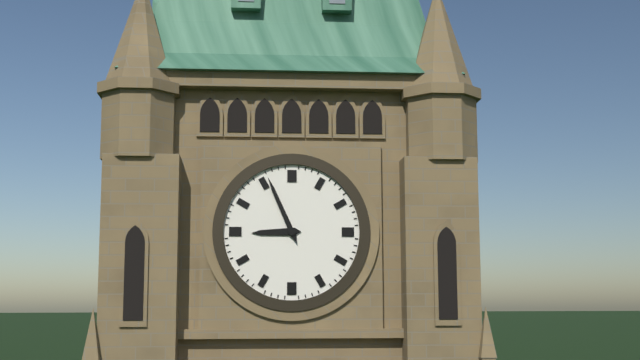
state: 8:56
